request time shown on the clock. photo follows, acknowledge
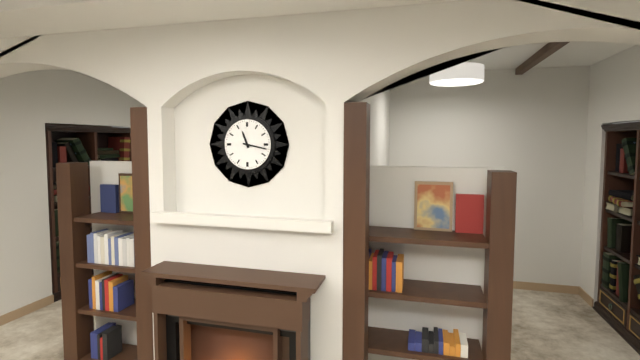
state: 11:17
